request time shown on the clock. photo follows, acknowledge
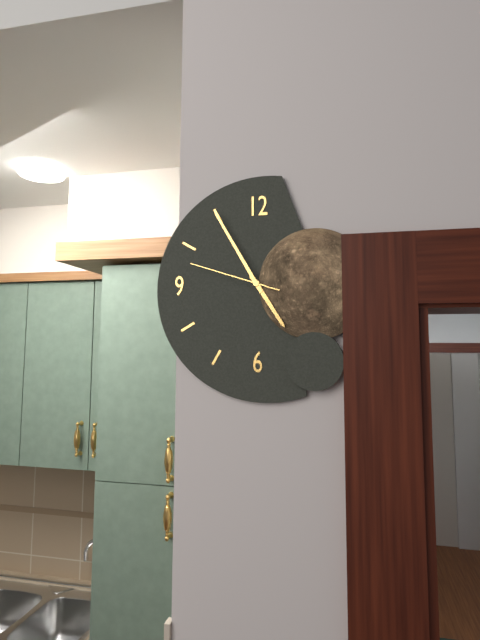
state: 4:55:48
